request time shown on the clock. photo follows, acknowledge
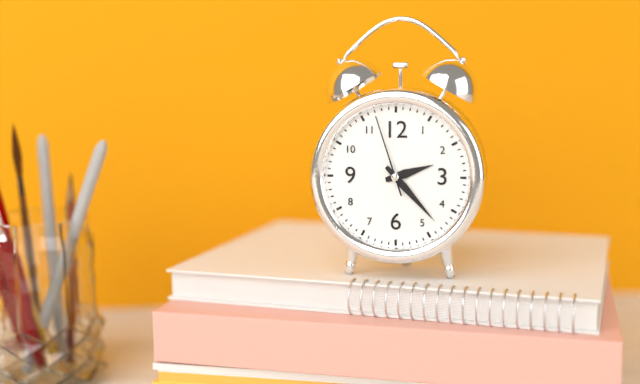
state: 2:23:57
